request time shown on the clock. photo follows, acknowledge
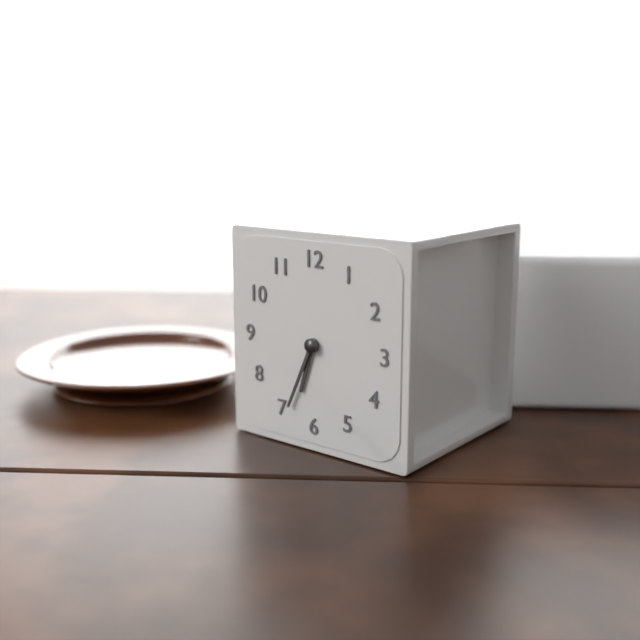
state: 6:34
